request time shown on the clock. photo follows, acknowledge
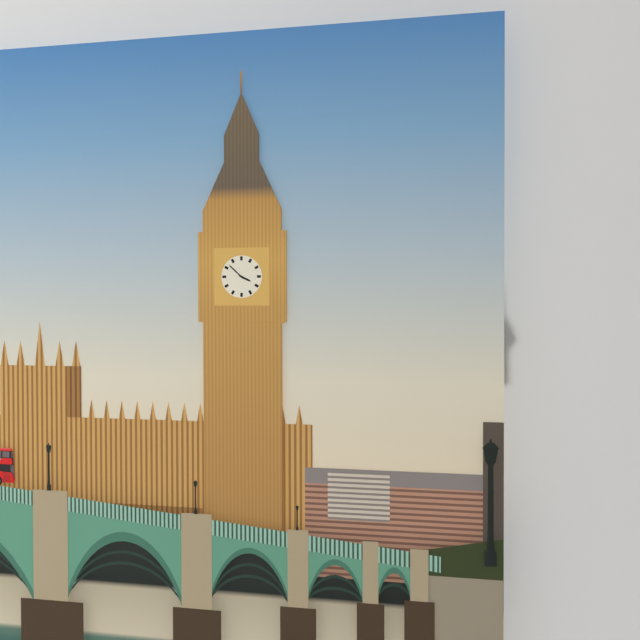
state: 3:52
